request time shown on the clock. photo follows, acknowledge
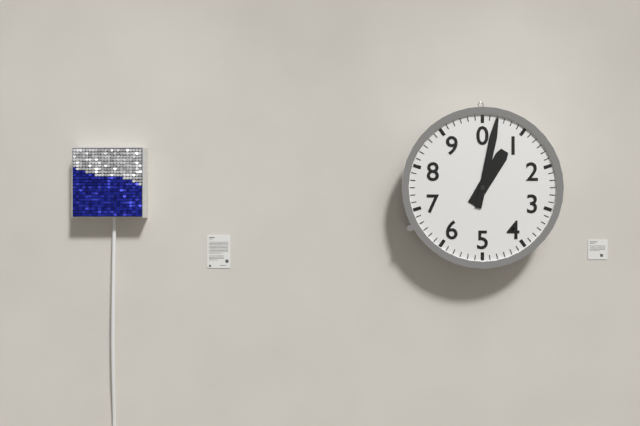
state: 1:02
